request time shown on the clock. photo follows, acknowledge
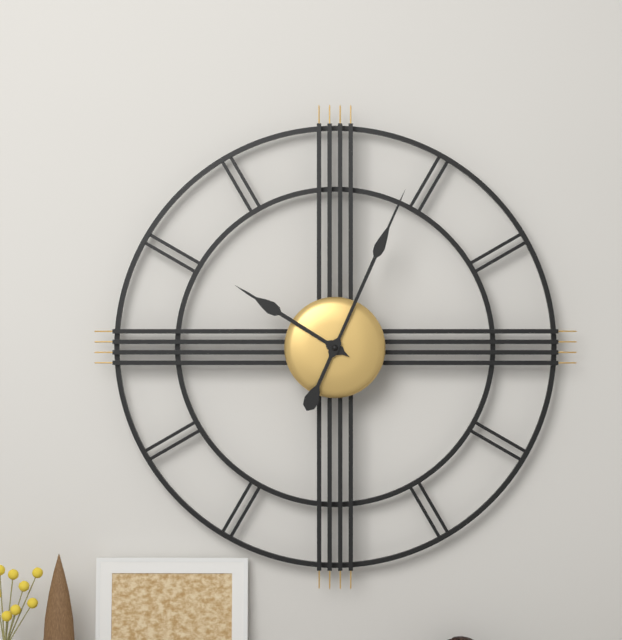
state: 10:04
